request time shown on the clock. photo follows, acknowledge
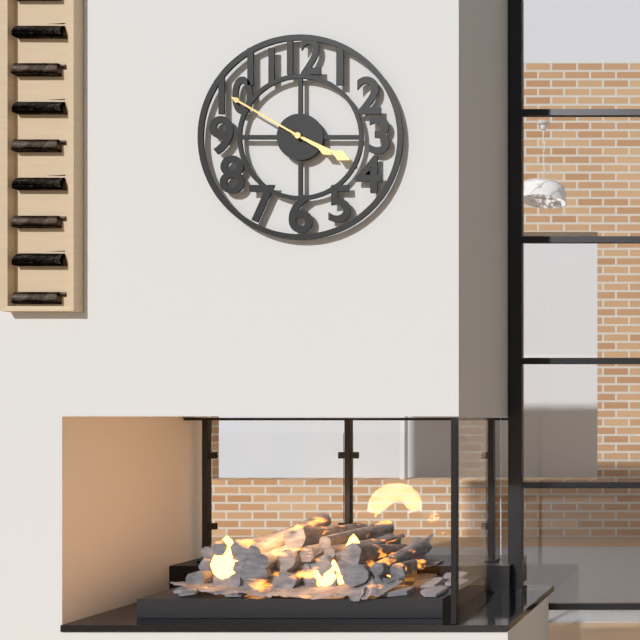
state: 3:50
